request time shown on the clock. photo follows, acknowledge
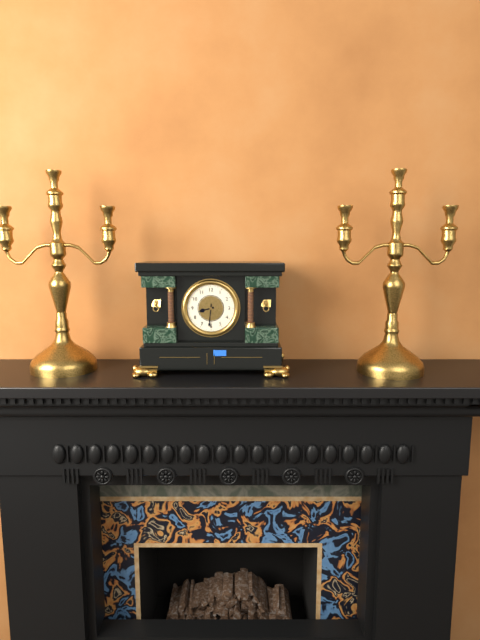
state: 8:31
